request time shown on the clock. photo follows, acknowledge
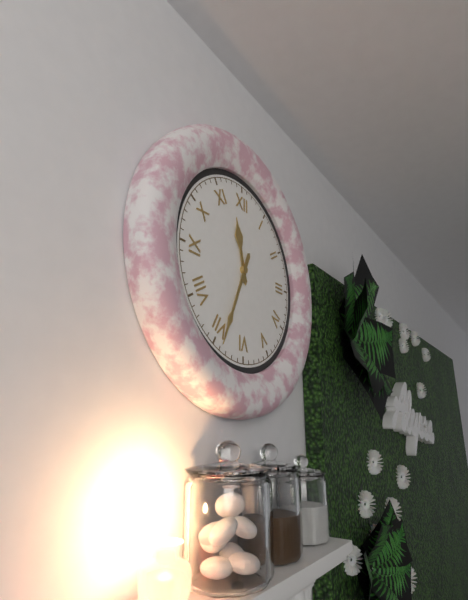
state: 11:34
